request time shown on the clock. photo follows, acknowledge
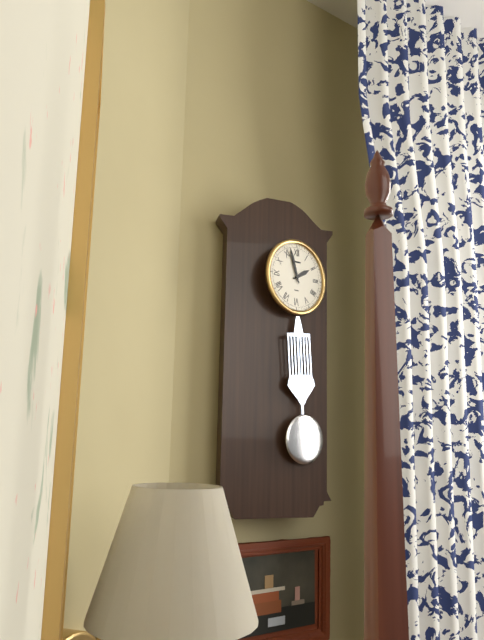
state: 1:57
